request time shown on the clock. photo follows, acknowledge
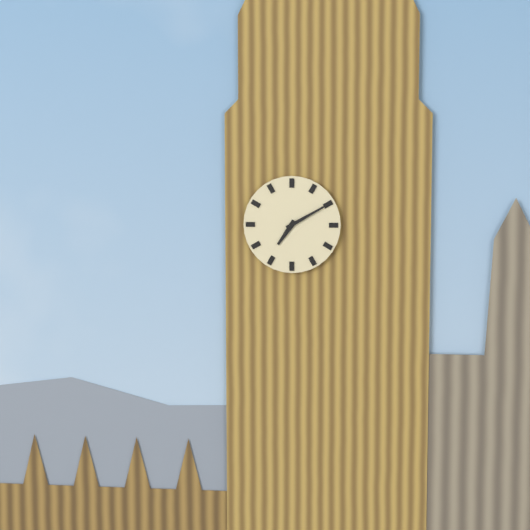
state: 7:10
